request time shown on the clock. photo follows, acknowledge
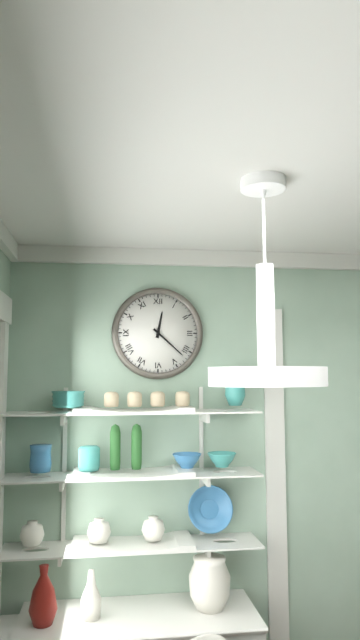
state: 12:22
